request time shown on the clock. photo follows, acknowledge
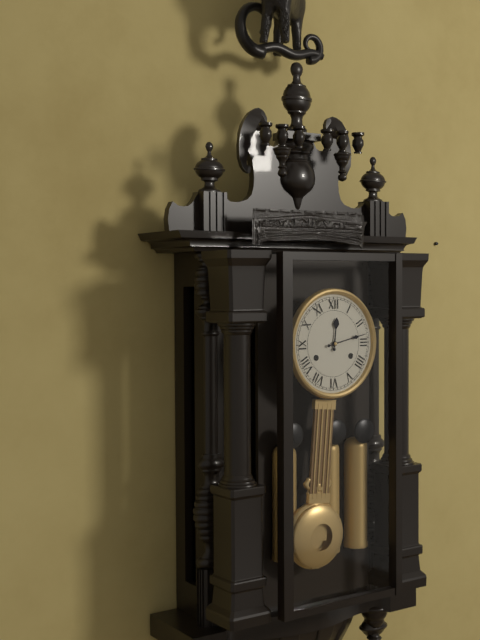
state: 12:13
